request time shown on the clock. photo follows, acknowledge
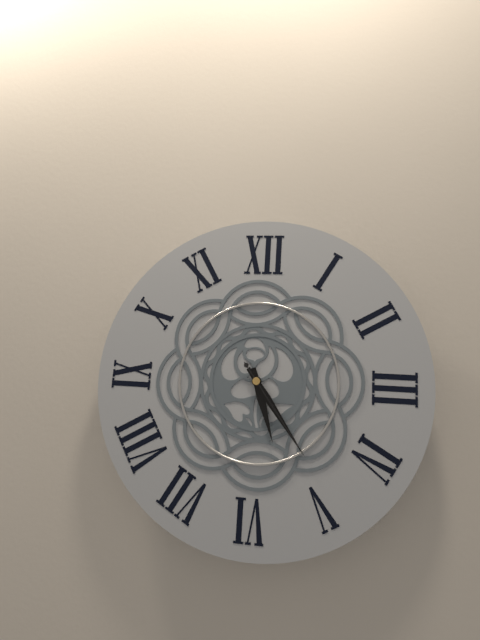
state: 5:24:24
